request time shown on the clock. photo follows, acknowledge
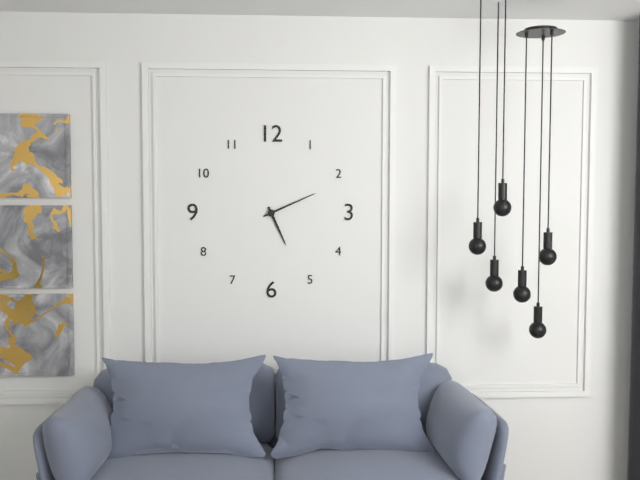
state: 5:11
